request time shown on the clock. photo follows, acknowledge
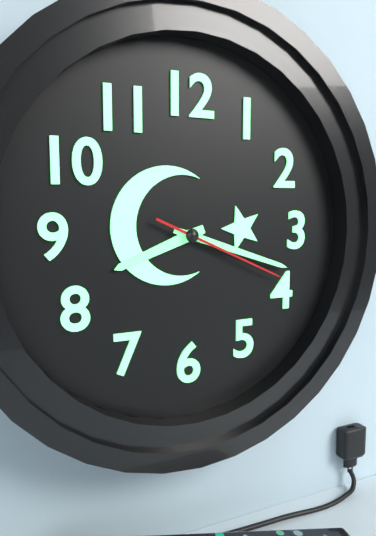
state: 8:18:19
